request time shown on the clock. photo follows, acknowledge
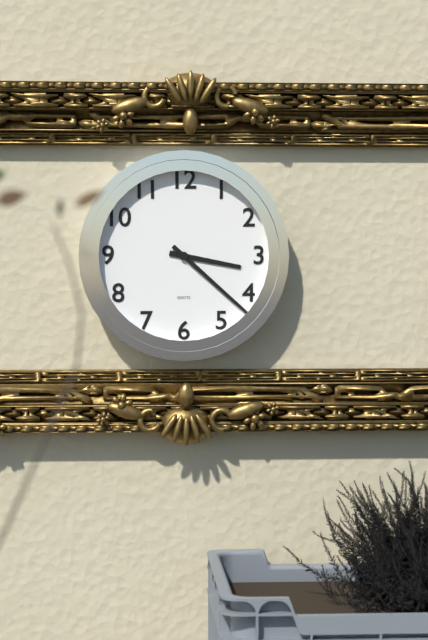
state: 3:22
